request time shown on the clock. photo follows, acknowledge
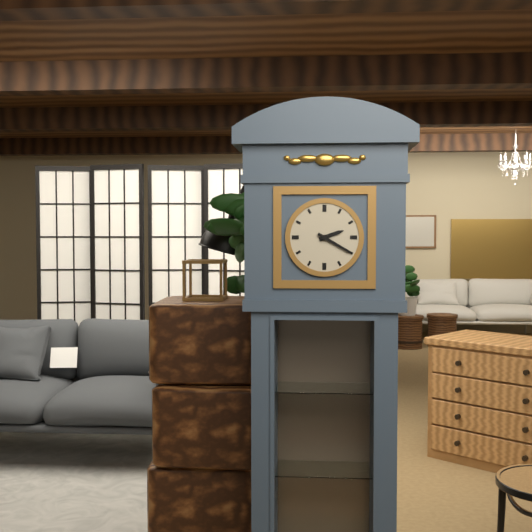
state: 2:20
